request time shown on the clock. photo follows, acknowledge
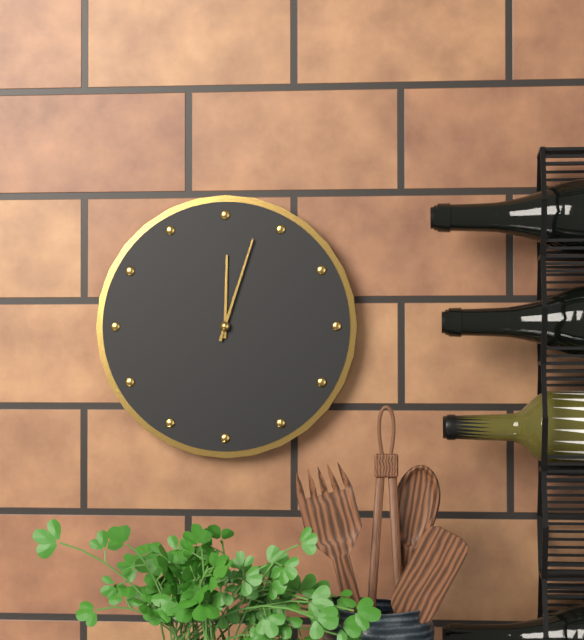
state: 12:03
